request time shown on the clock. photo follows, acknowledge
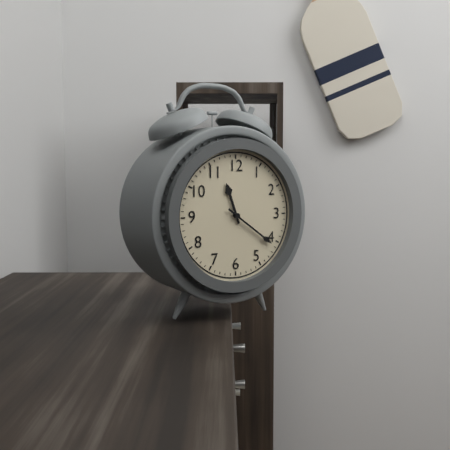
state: 11:21
